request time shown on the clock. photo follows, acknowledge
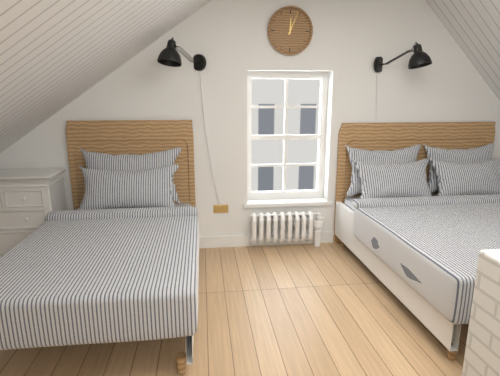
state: 12:04
